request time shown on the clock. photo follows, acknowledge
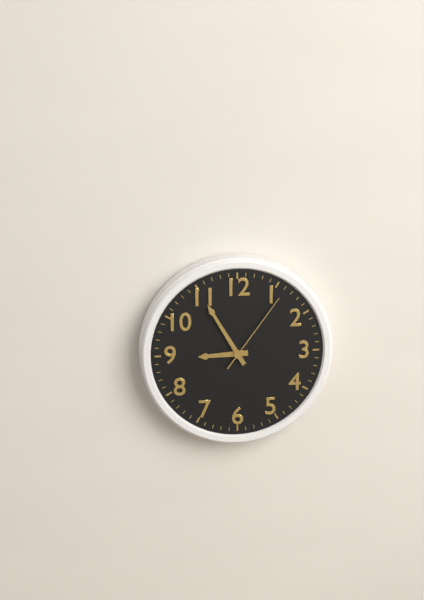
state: 8:55:06
